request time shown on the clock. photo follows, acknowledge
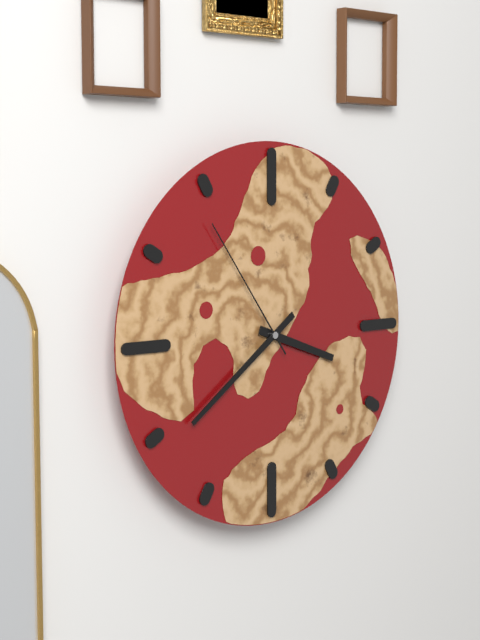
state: 3:39:54
